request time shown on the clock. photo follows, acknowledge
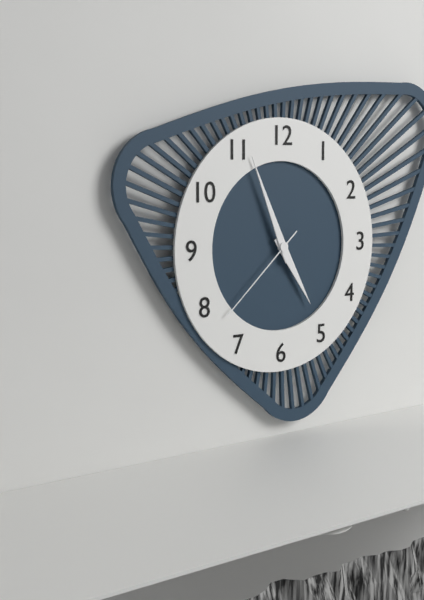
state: 4:56:38
